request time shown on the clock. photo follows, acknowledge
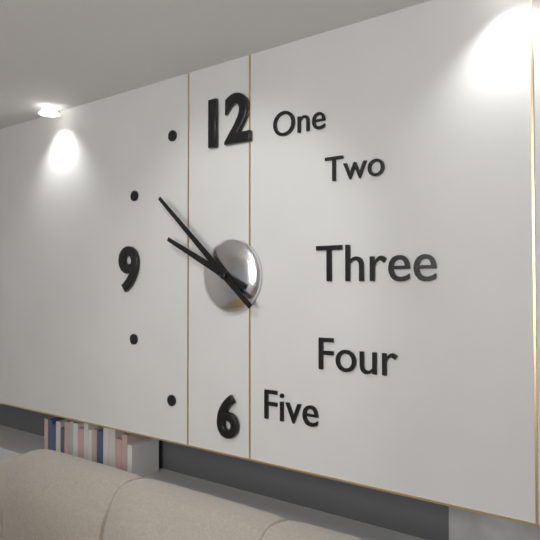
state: 9:52
